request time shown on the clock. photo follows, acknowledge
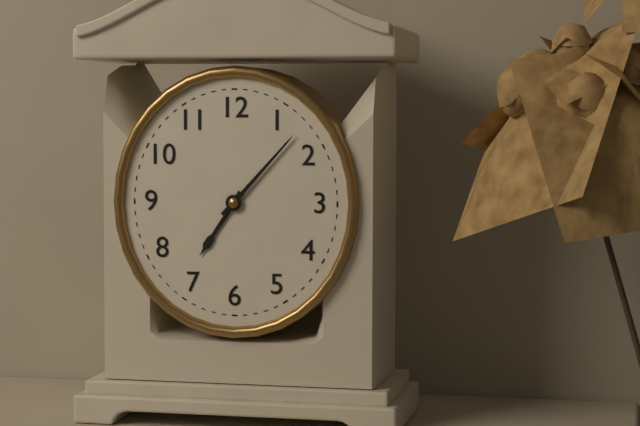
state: 7:07
